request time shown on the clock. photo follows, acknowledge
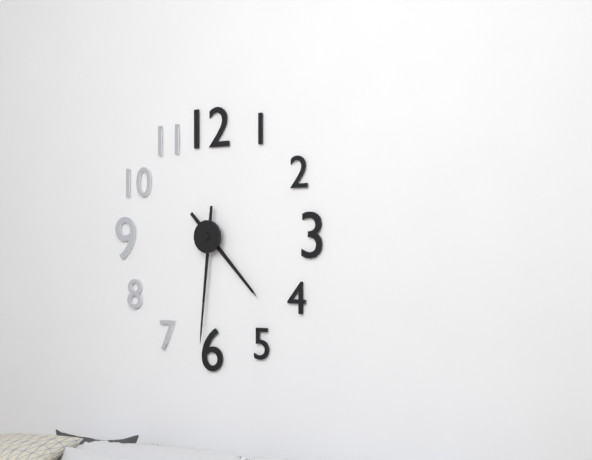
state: 4:31
